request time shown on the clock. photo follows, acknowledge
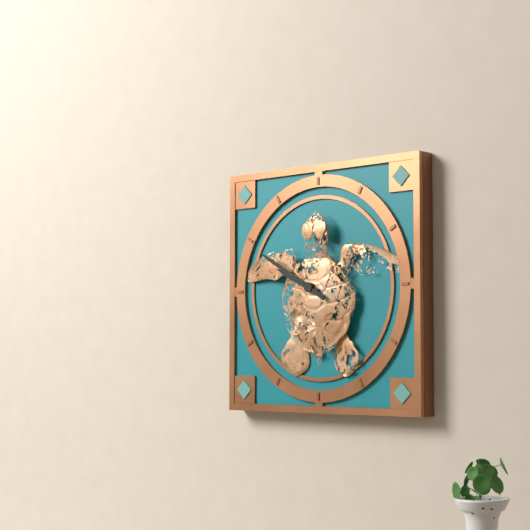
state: 9:50
